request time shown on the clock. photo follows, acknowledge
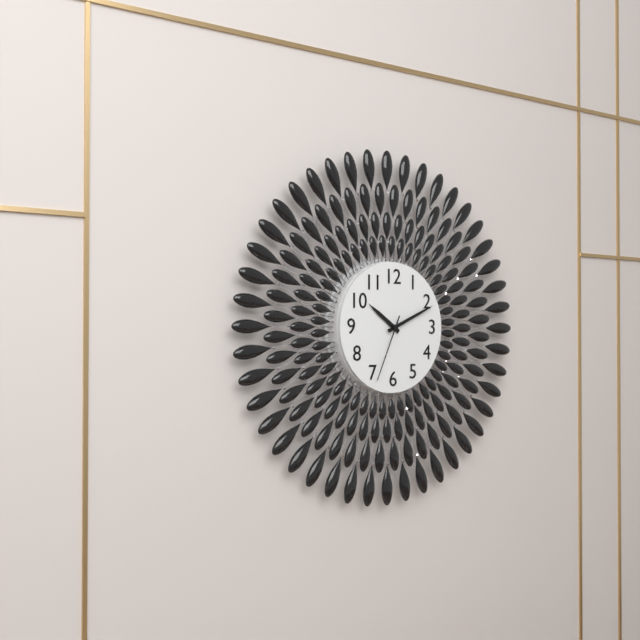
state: 10:11:34
